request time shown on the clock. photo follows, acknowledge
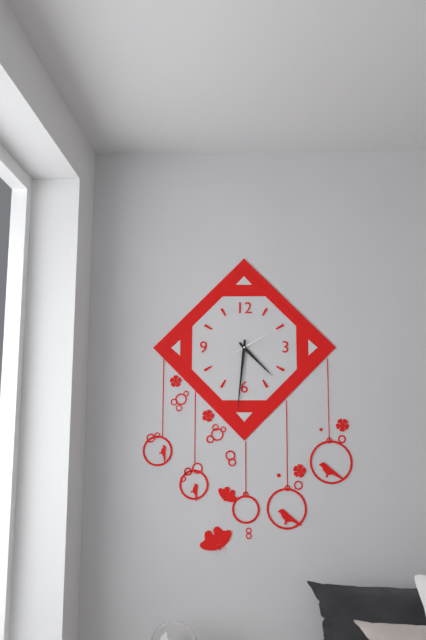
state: 4:31
